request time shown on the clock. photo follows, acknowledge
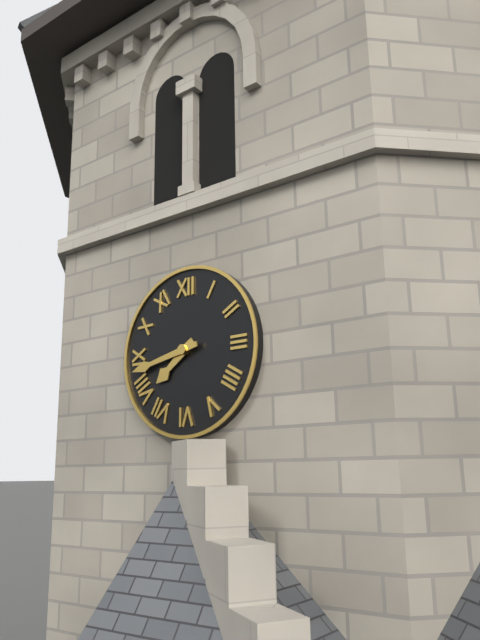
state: 7:43
